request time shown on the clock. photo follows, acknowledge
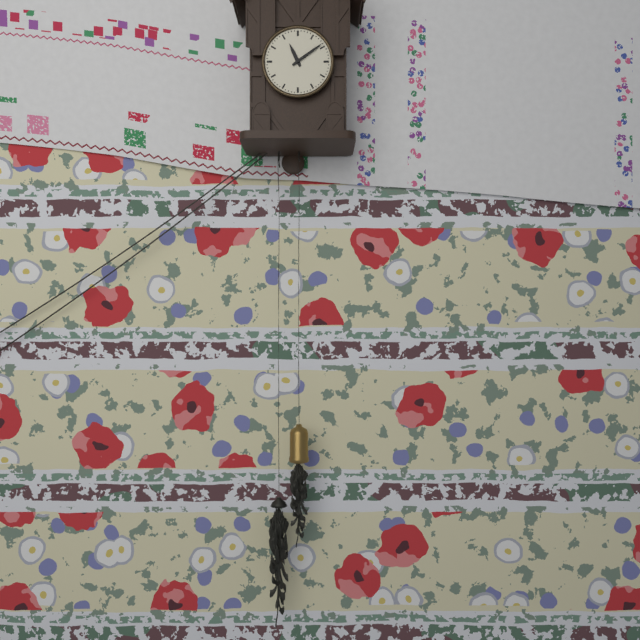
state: 11:09
